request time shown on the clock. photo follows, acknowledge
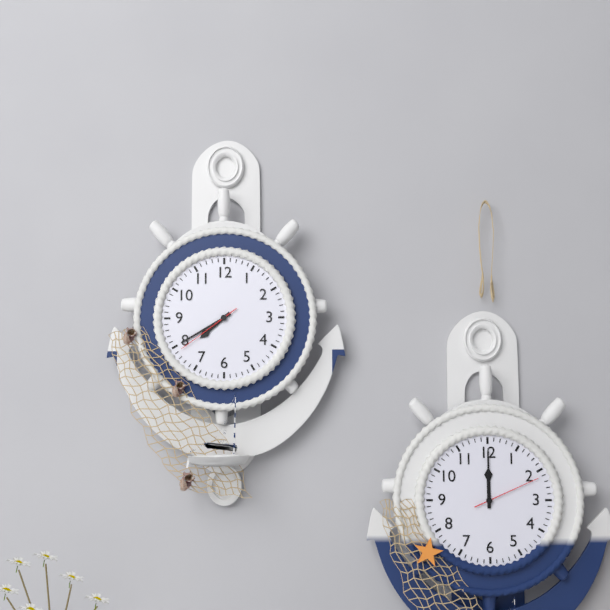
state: 7:40:39
